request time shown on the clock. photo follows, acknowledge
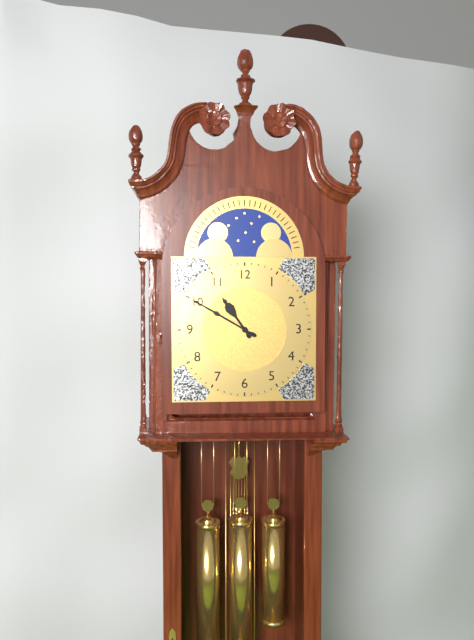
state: 10:50
